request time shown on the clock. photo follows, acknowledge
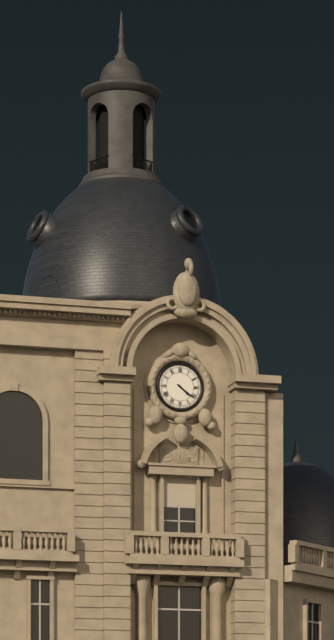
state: 4:21
